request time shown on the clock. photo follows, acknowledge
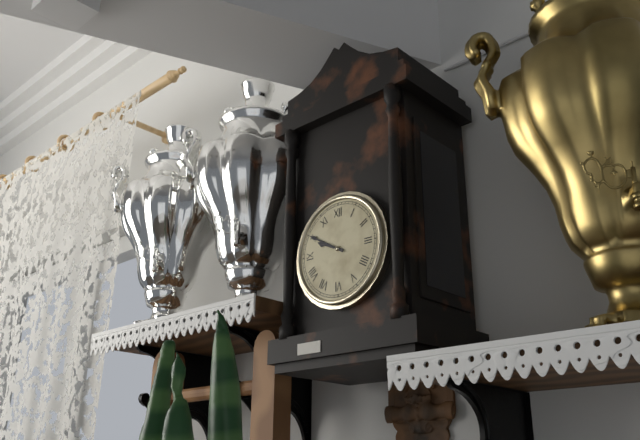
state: 9:50
